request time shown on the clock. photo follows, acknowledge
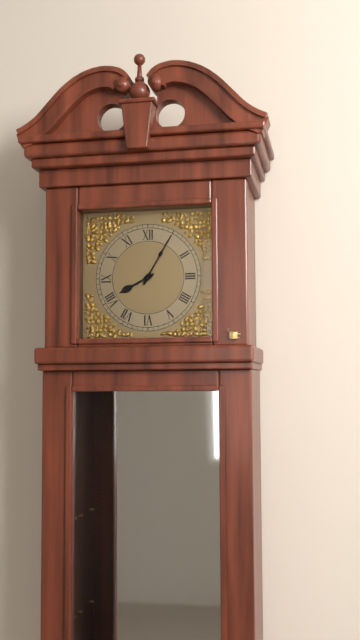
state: 8:05
